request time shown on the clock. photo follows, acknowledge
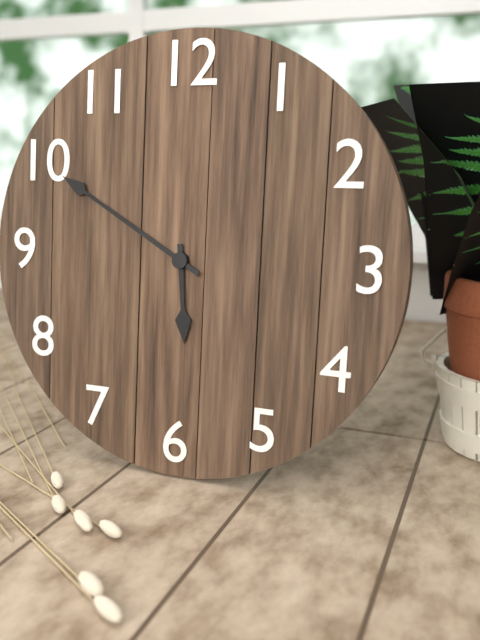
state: 5:50
